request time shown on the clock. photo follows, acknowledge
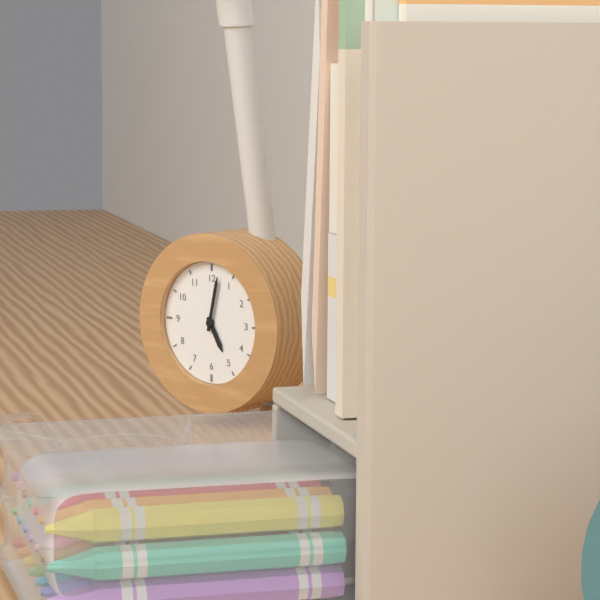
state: 5:02
